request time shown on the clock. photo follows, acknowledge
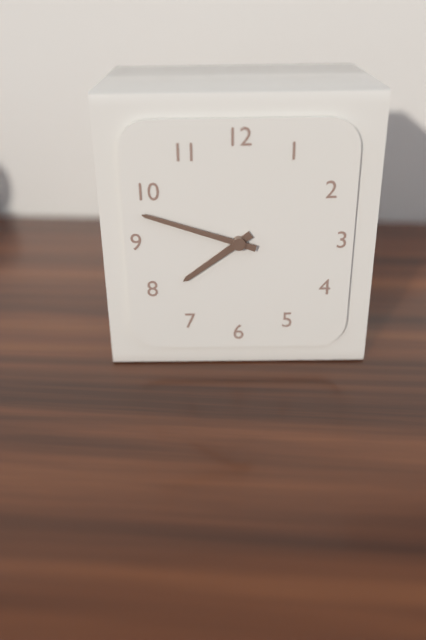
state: 7:48
